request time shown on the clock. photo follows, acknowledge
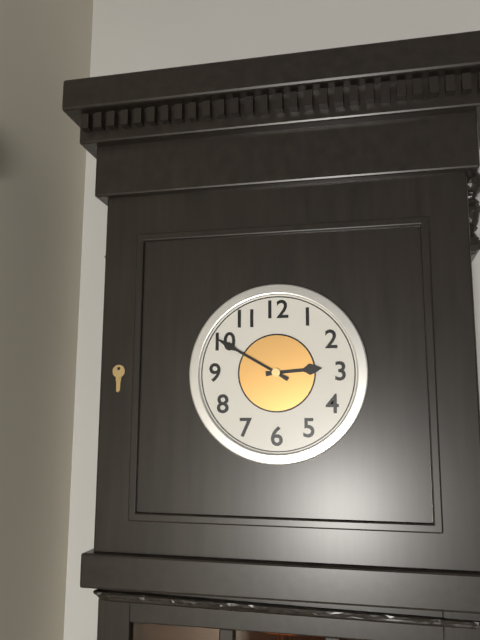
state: 2:50
